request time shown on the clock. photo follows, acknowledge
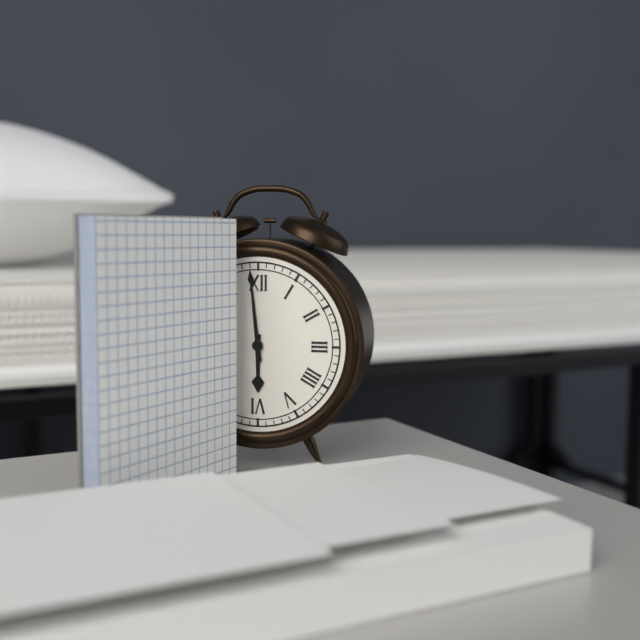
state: 5:59
